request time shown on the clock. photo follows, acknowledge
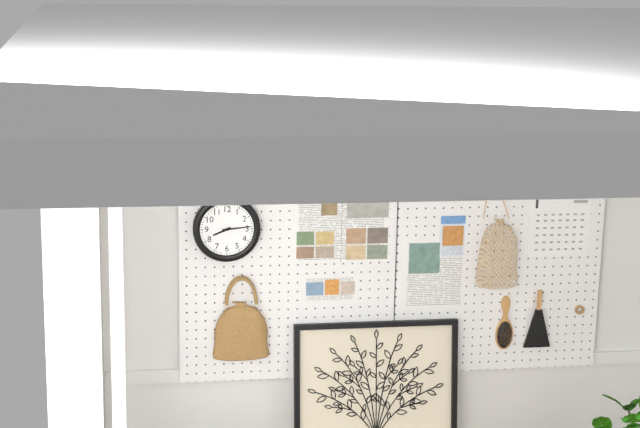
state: 8:14
